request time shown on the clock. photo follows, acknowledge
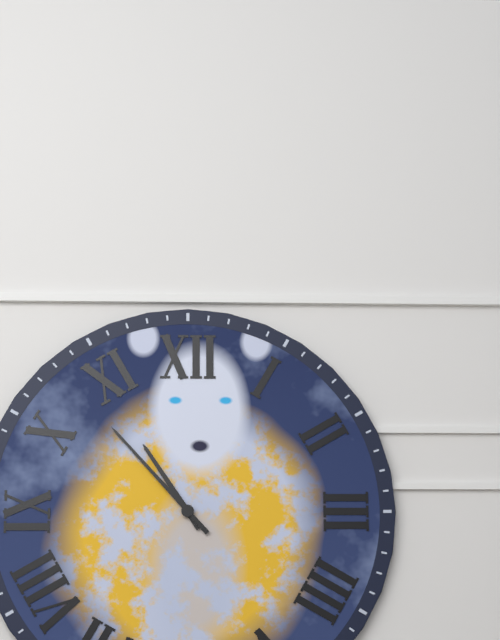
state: 10:53
